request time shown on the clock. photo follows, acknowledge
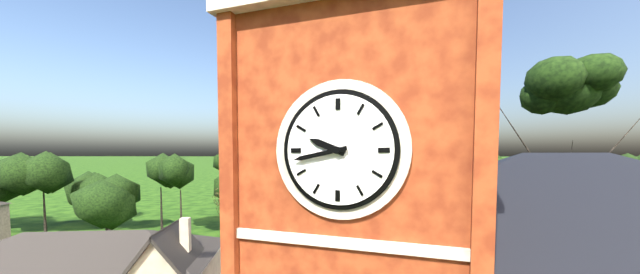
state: 9:43
